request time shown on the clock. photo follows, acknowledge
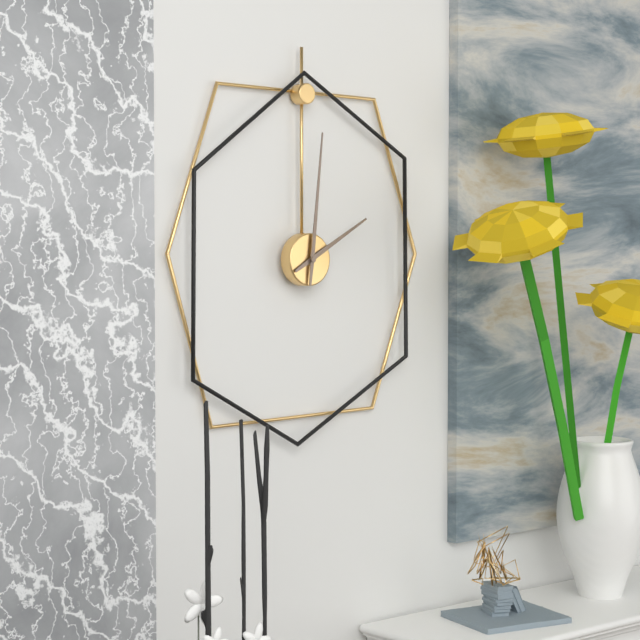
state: 2:01
